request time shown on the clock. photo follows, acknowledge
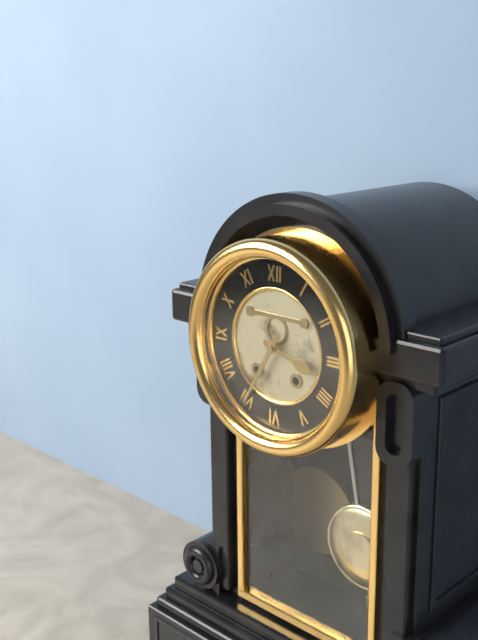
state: 3:35
